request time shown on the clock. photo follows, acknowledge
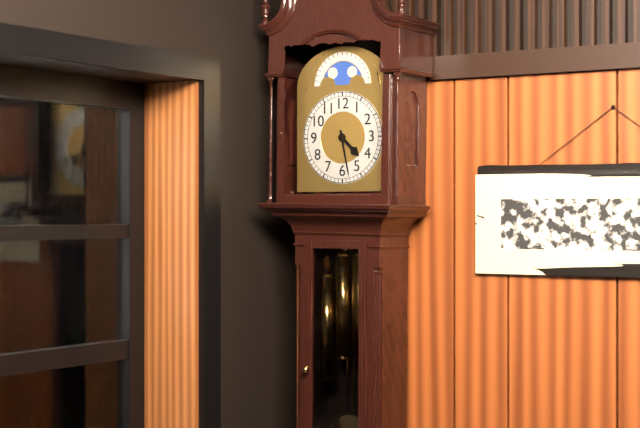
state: 4:28
